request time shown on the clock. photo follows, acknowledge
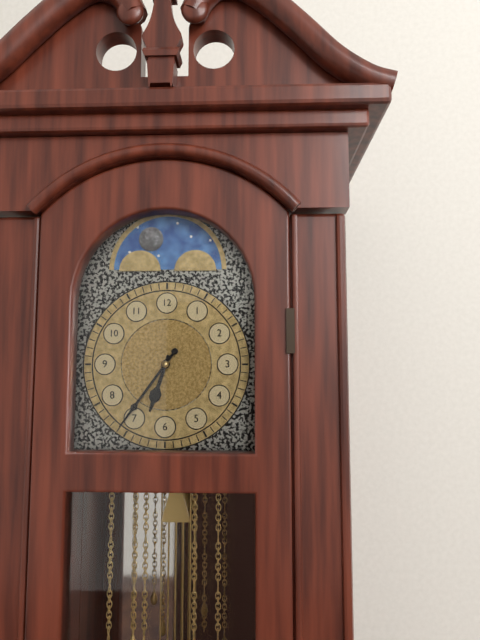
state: 6:36
